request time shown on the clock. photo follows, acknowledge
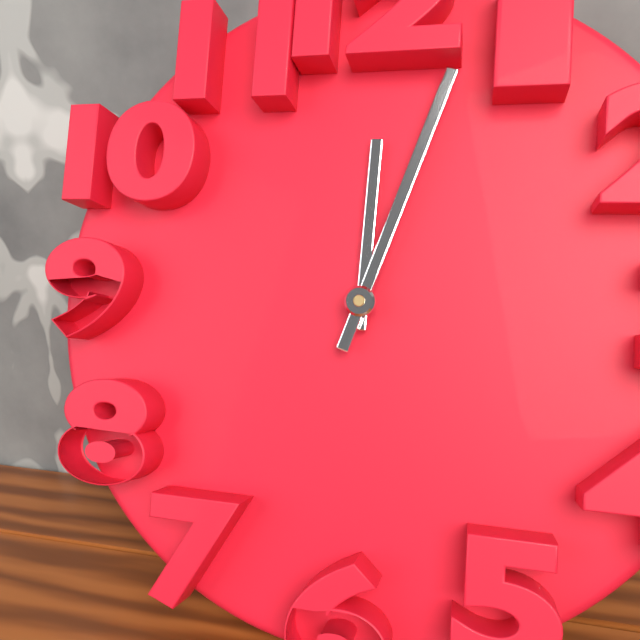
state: 12:03
